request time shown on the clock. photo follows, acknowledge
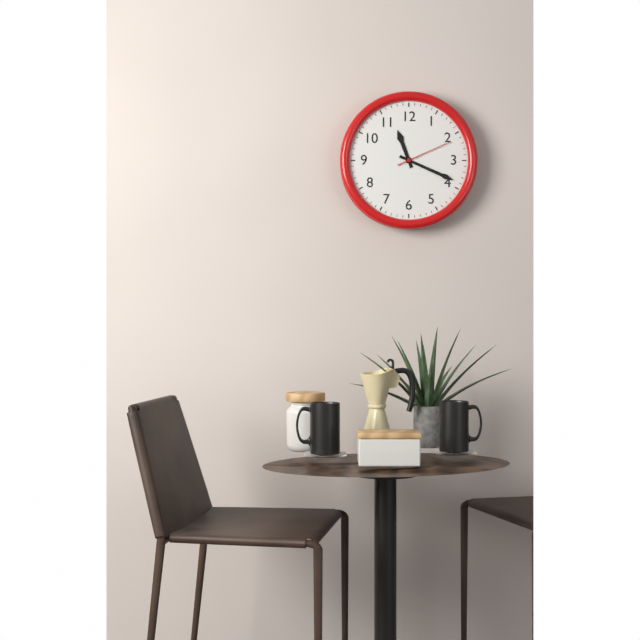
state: 11:19:11
